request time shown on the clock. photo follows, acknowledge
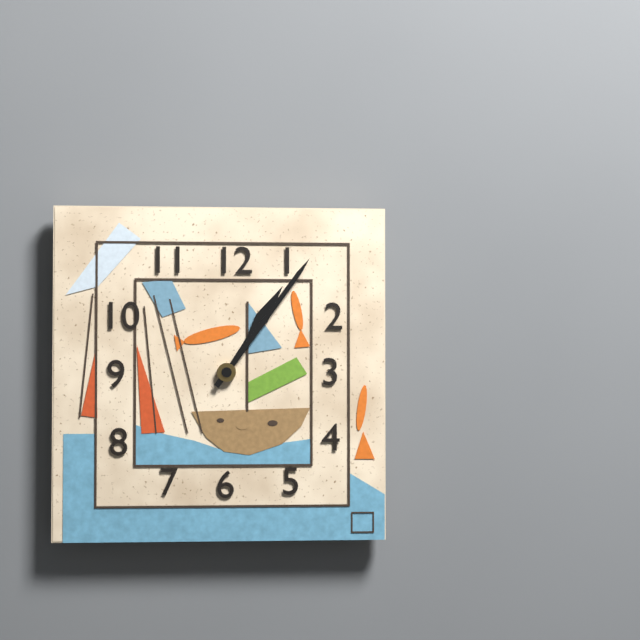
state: 1:06
